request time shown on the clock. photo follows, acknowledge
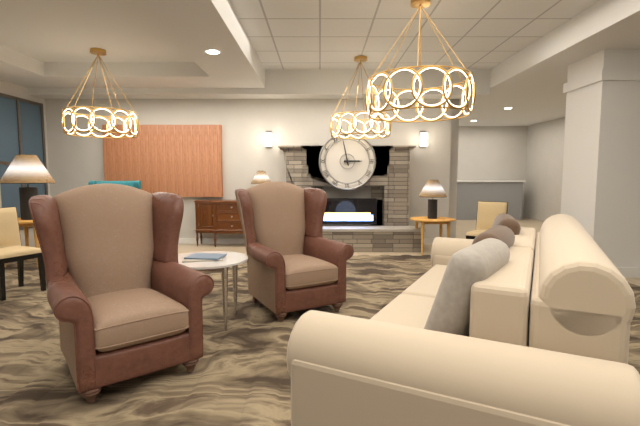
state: 2:58
